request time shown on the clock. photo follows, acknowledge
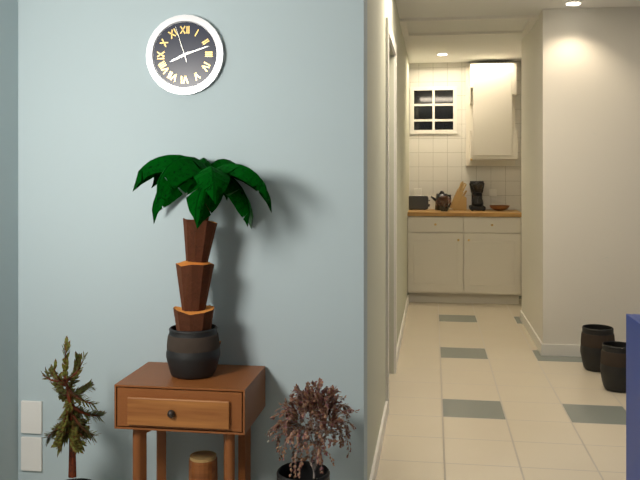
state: 8:12
